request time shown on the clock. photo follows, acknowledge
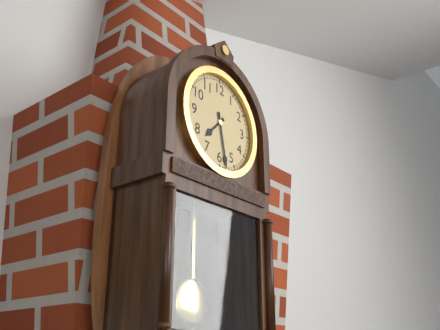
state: 7:28
